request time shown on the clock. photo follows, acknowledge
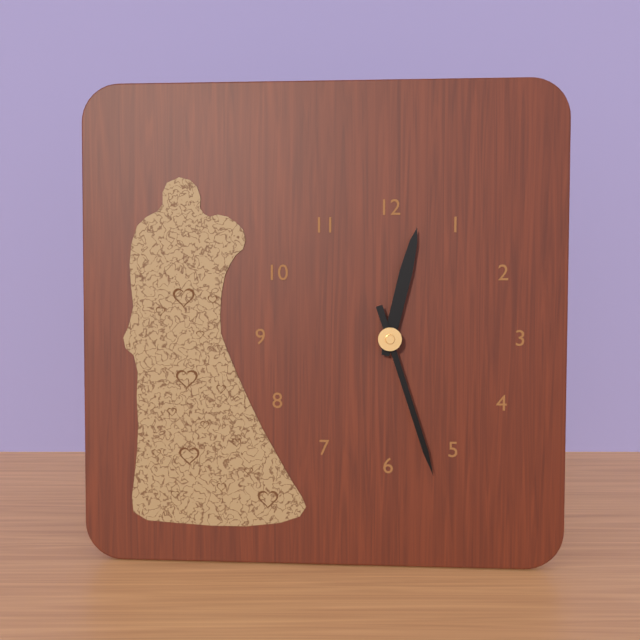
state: 12:27
